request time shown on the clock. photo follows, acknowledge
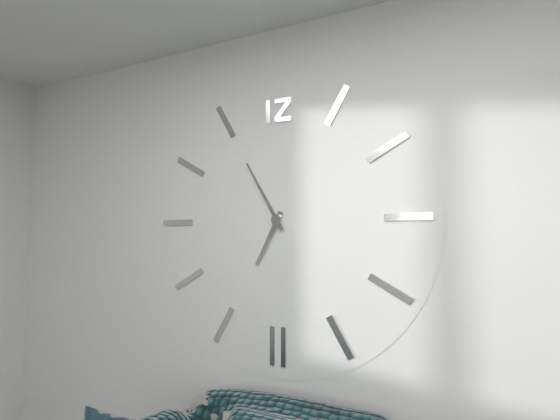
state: 6:55
